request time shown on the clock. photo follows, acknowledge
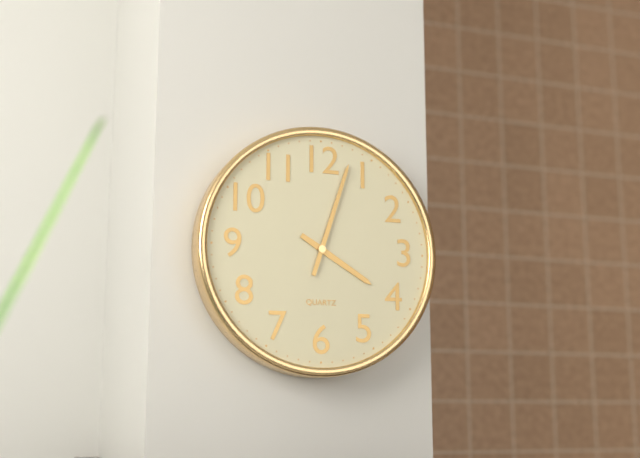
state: 4:03
